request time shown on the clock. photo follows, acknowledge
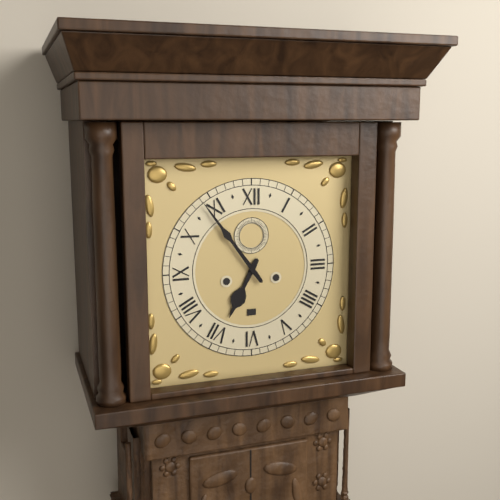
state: 6:54
